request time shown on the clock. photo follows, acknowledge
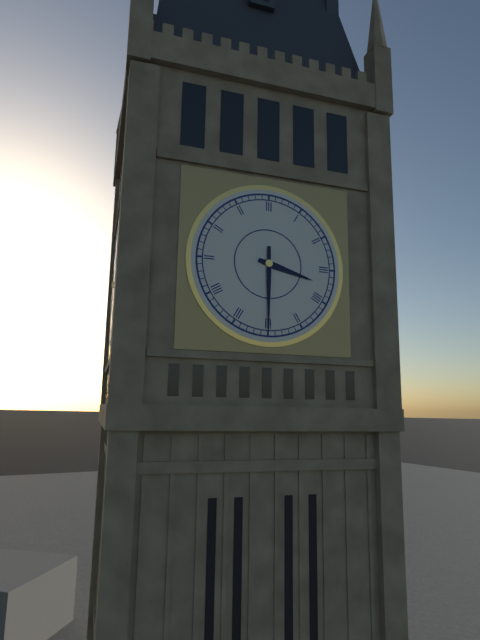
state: 3:30
